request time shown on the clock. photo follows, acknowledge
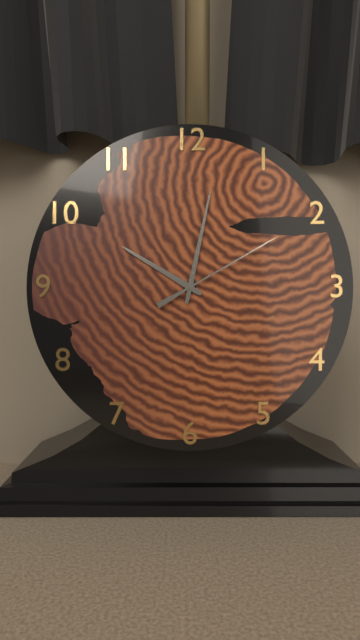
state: 10:02:10
